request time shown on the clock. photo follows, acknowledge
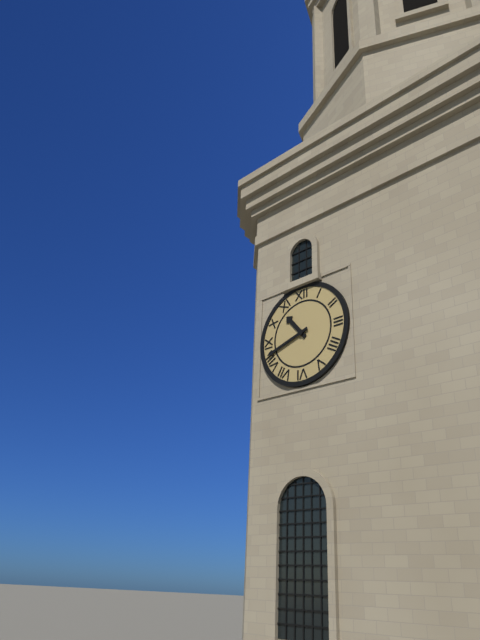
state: 10:42
